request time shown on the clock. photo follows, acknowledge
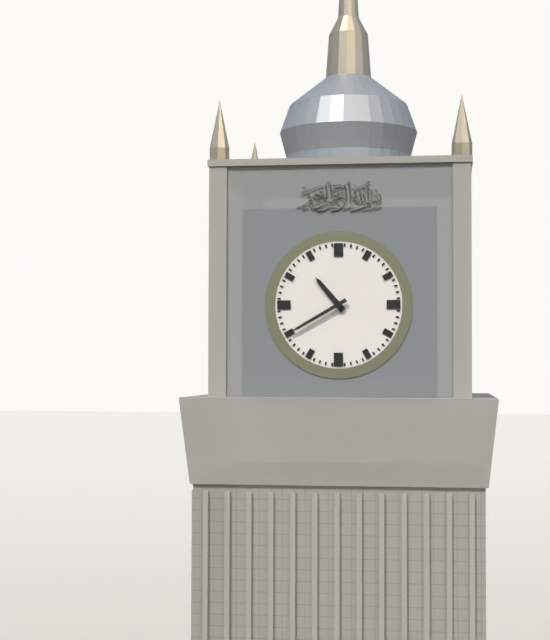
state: 10:40
